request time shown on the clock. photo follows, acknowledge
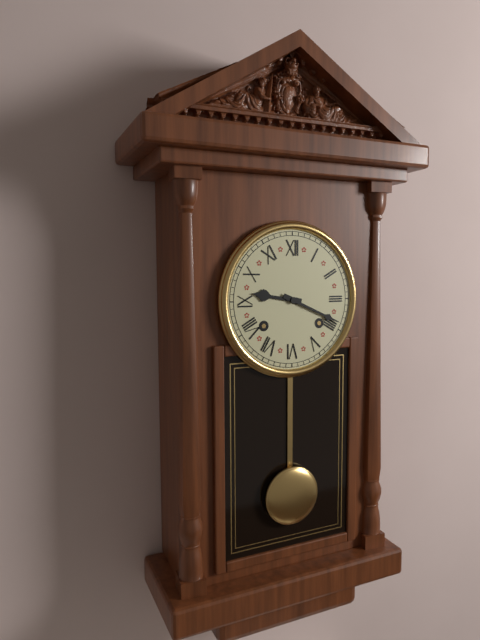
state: 9:19
